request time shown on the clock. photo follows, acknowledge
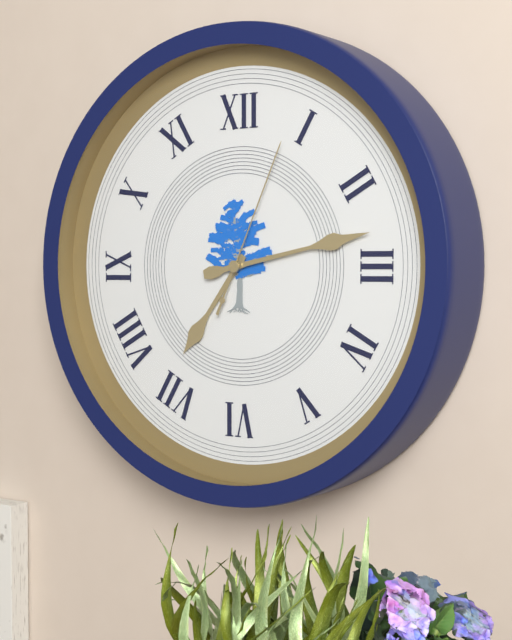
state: 7:13:04
